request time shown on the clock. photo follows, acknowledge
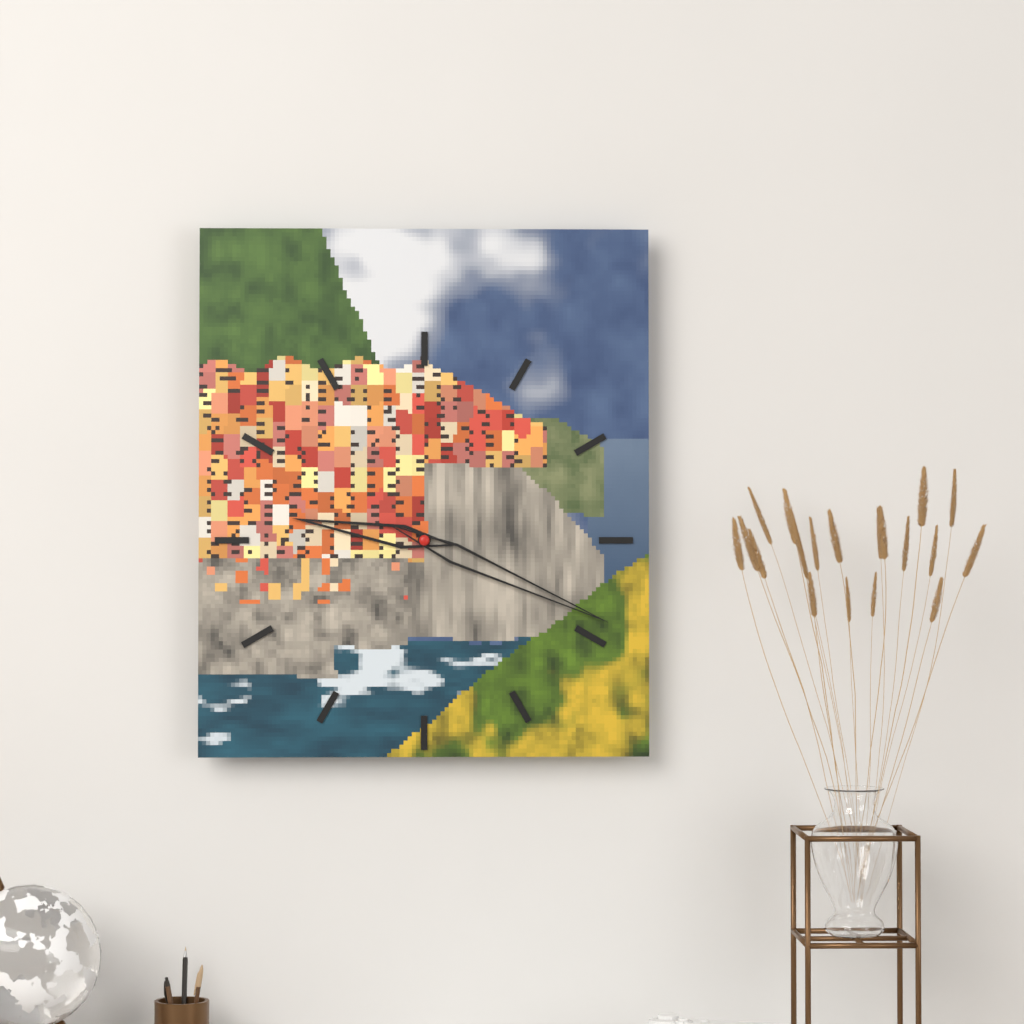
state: 9:19
